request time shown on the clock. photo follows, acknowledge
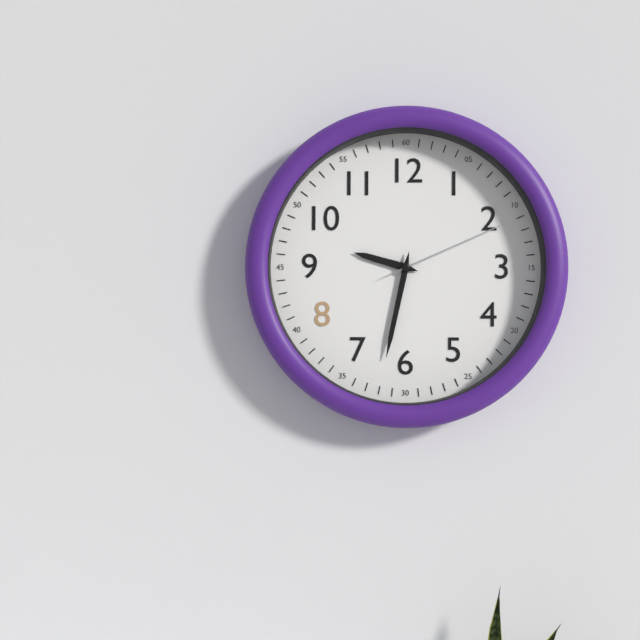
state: 9:32:11
